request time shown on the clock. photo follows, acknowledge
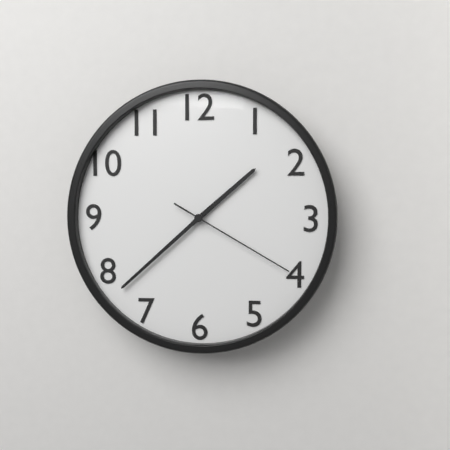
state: 1:38:20
